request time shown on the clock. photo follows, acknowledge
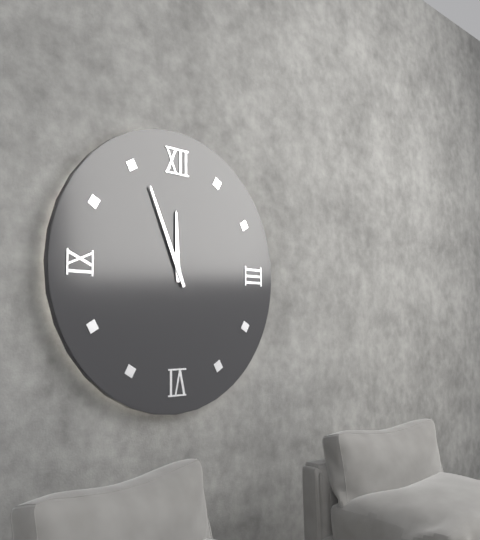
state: 11:56
